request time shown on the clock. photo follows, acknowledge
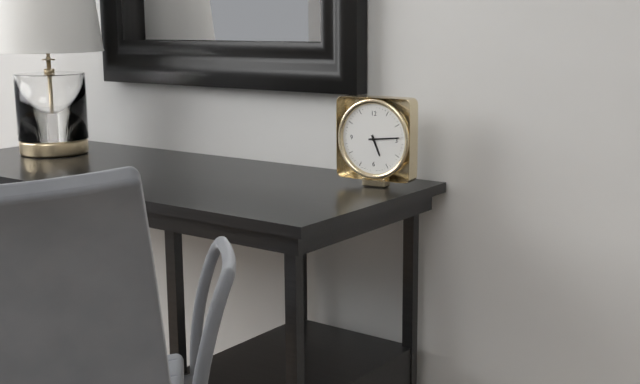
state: 5:14
